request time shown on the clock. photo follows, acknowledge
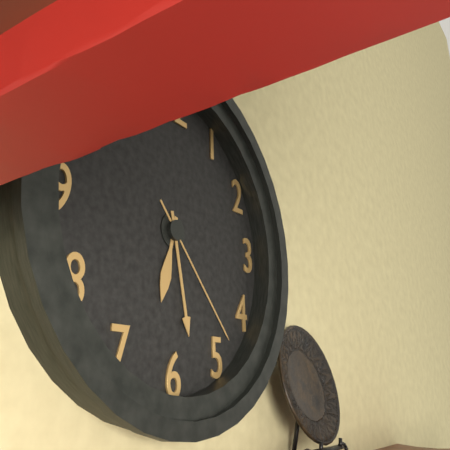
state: 6:28:23
